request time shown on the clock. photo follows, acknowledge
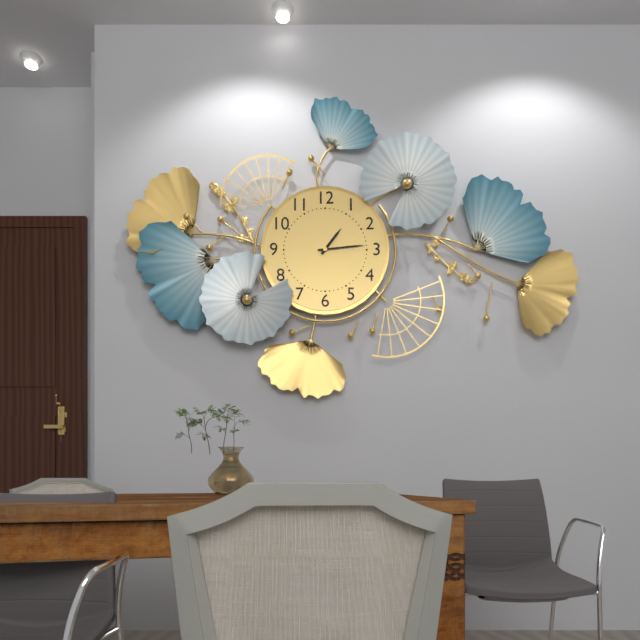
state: 1:14
